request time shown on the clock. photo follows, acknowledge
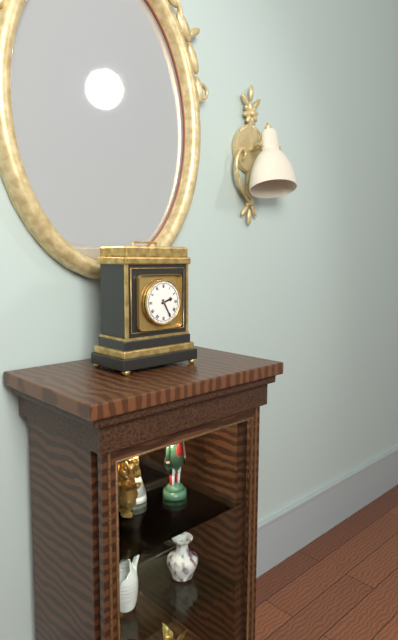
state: 2:25
